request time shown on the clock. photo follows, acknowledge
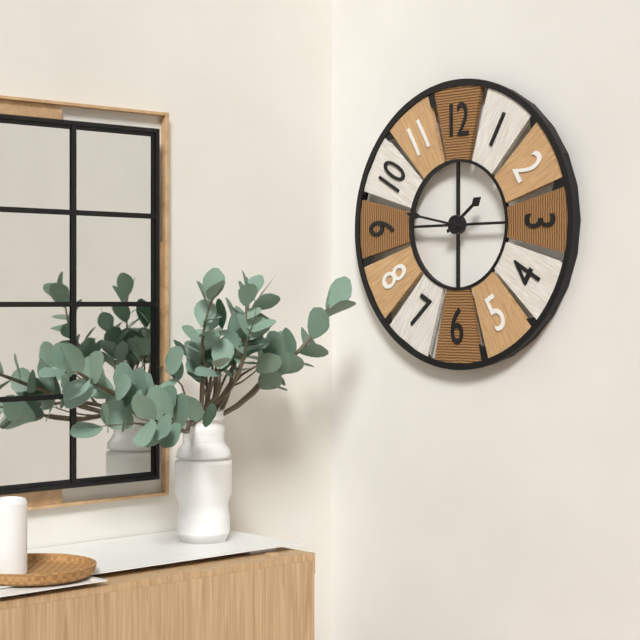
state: 1:47
